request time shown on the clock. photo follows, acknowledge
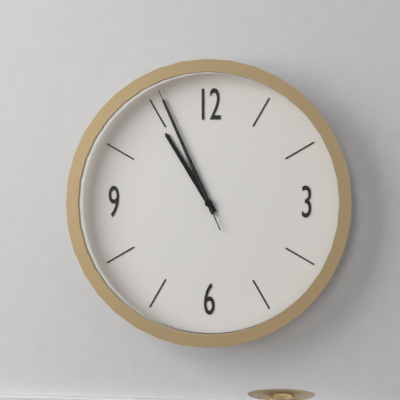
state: 10:56:56
